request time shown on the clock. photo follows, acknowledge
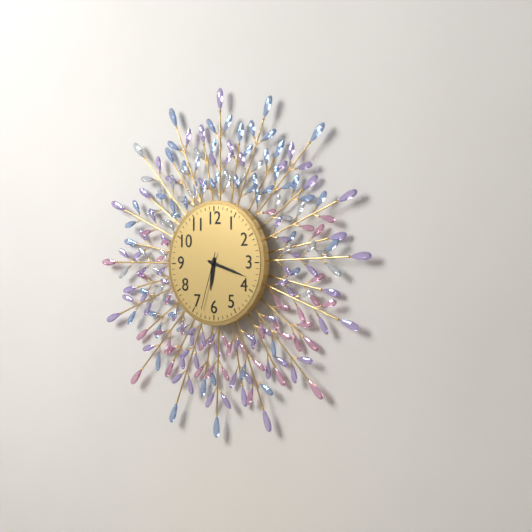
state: 6:18:33
